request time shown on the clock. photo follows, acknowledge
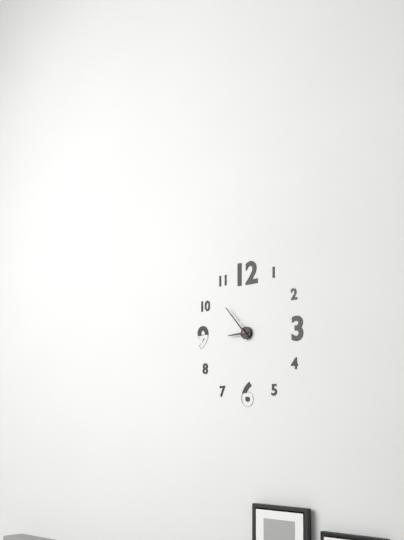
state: 8:53
